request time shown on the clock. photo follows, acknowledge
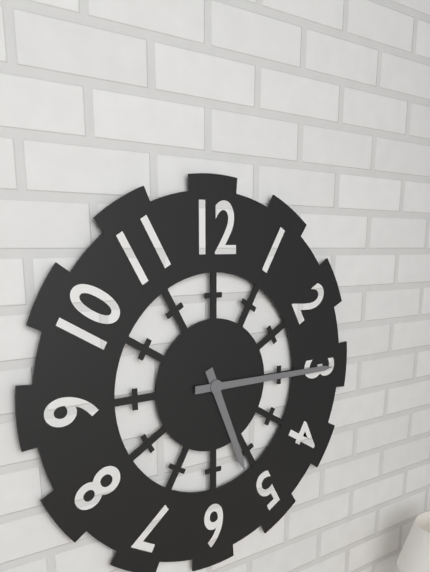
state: 5:15
